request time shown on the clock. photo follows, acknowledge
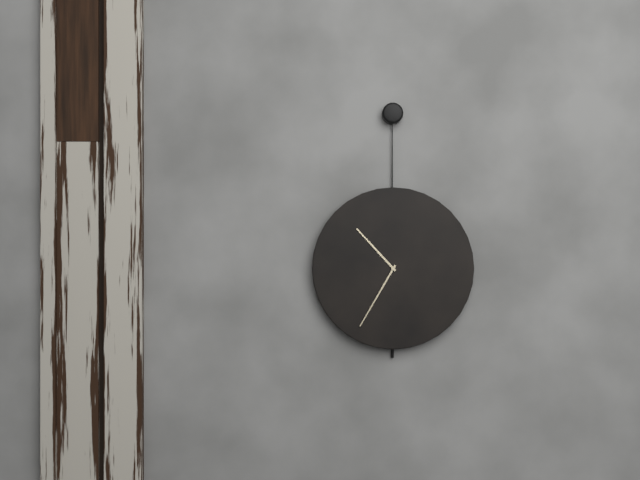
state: 10:35
